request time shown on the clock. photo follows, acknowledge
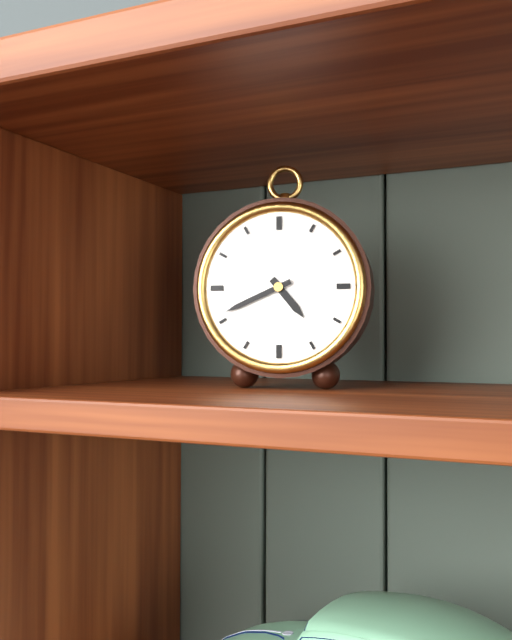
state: 4:41
